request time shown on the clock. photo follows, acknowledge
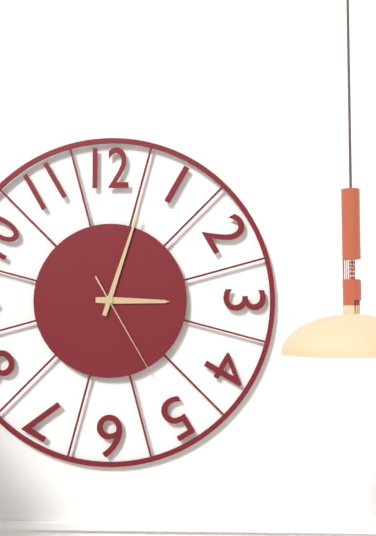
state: 3:03:25
